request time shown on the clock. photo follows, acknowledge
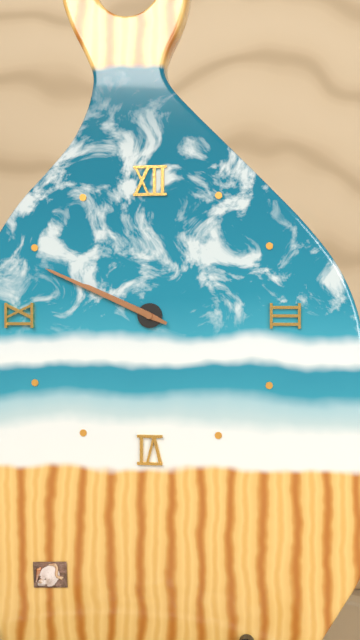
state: 9:49
